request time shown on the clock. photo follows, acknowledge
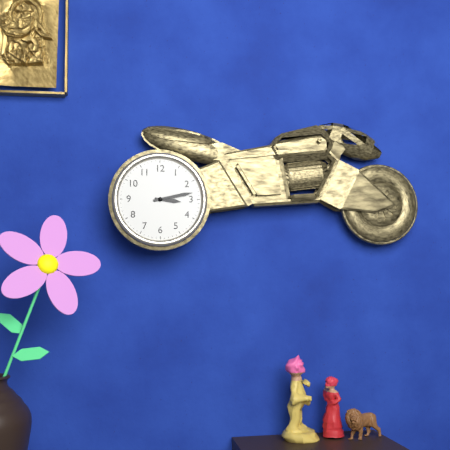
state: 3:13
